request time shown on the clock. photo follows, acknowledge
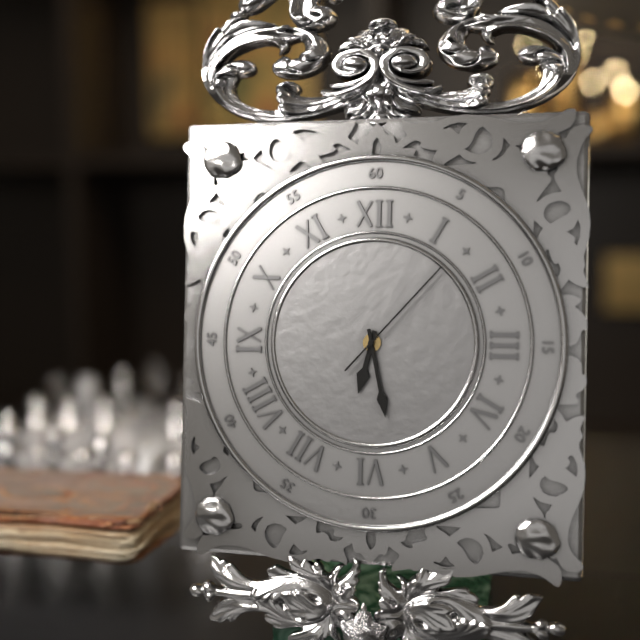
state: 6:28:07
